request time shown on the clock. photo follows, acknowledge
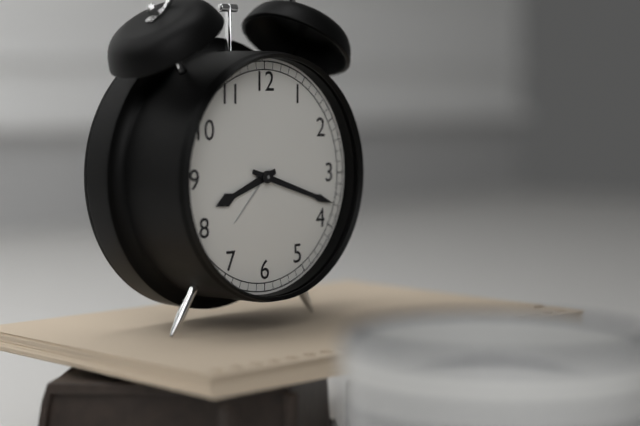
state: 8:18
